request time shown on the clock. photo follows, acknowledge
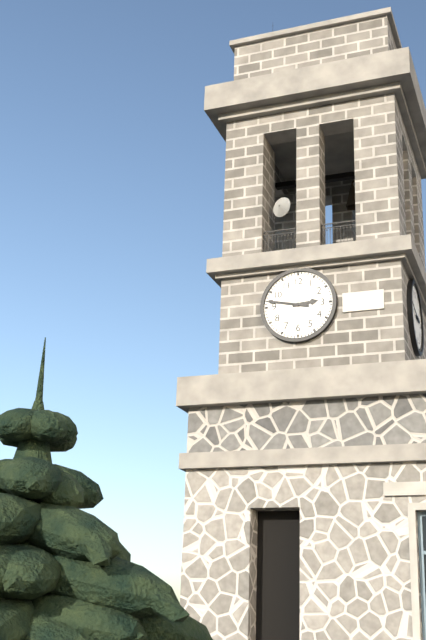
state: 2:47
